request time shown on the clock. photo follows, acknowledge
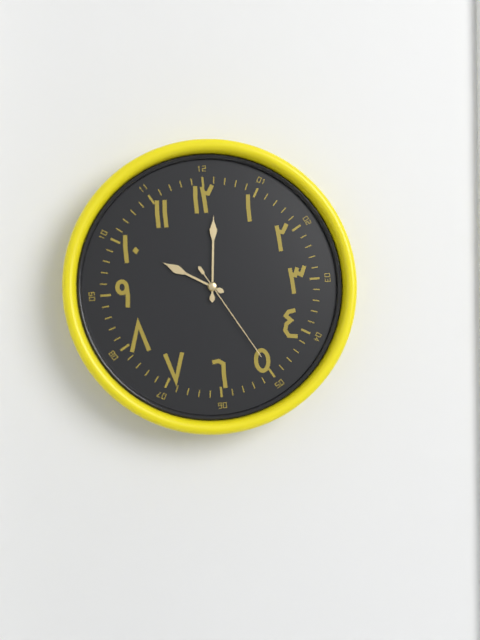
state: 10:01:25
